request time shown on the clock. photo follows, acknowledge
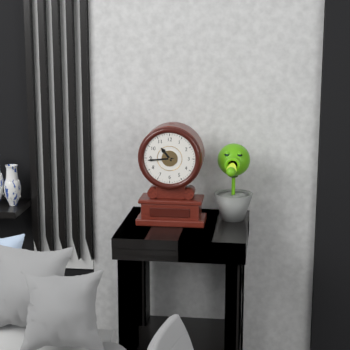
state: 10:44
